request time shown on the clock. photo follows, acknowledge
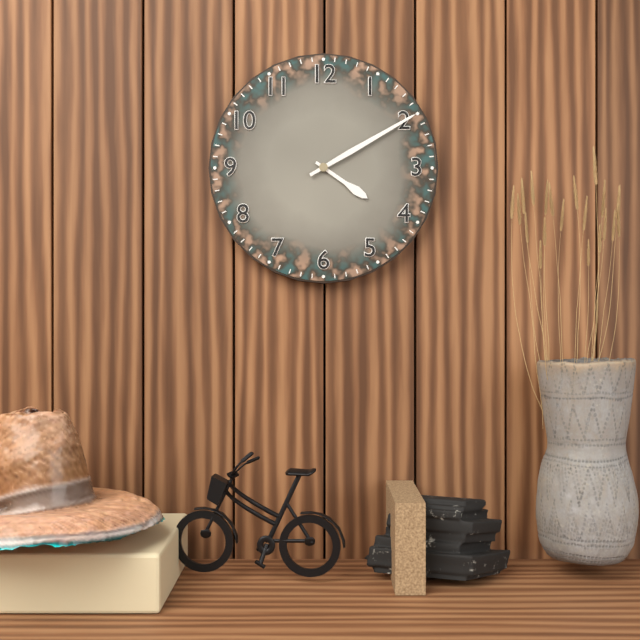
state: 4:10
